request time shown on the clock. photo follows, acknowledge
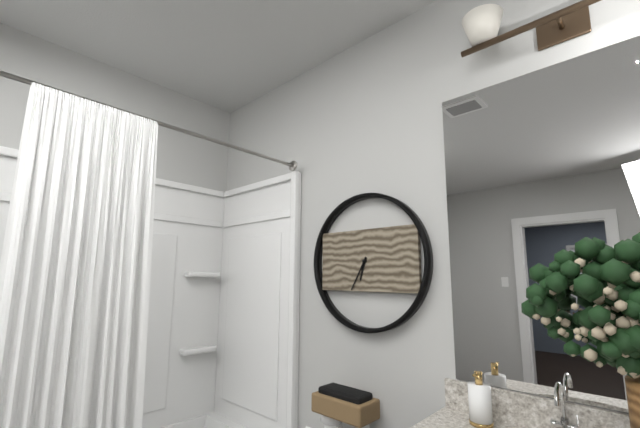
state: 6:35
